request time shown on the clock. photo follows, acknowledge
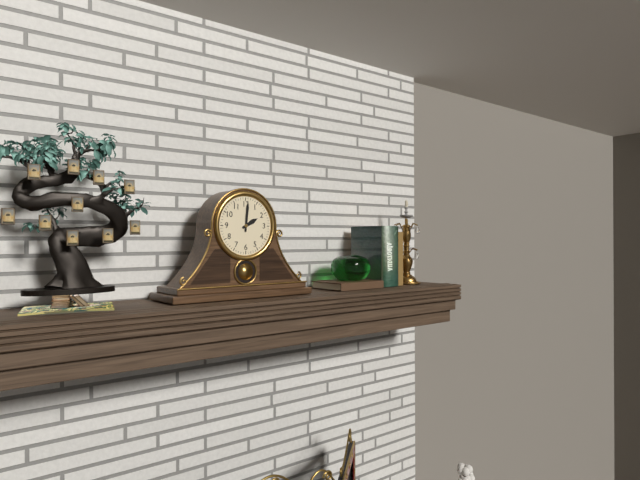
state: 2:01
